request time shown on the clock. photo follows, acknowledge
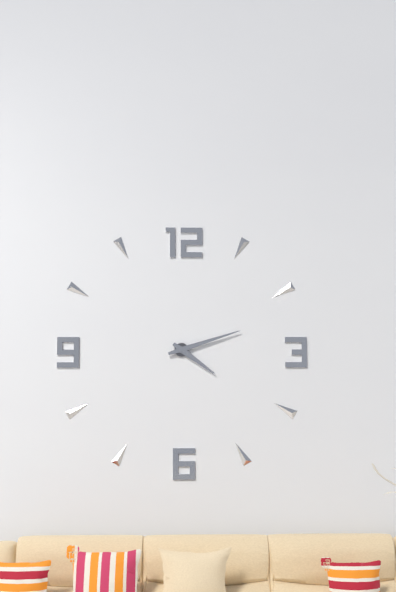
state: 4:12
